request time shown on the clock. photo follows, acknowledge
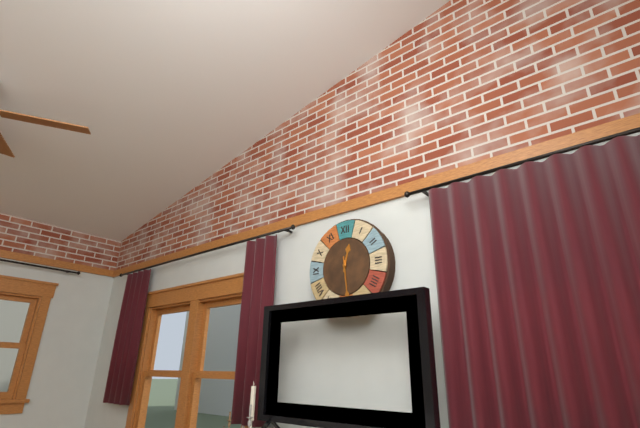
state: 12:29
